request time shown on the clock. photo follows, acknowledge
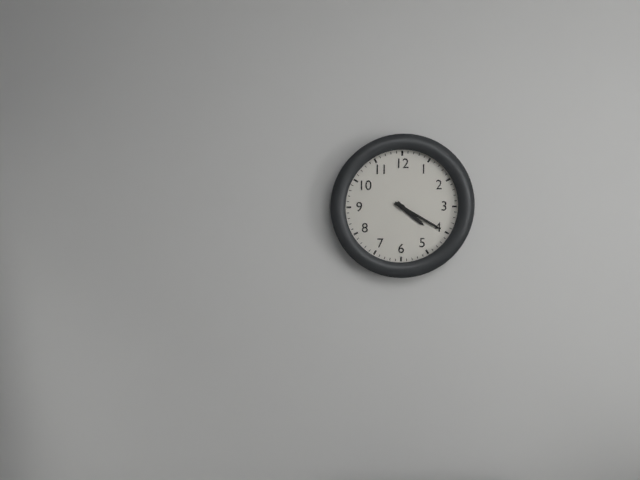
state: 4:20
